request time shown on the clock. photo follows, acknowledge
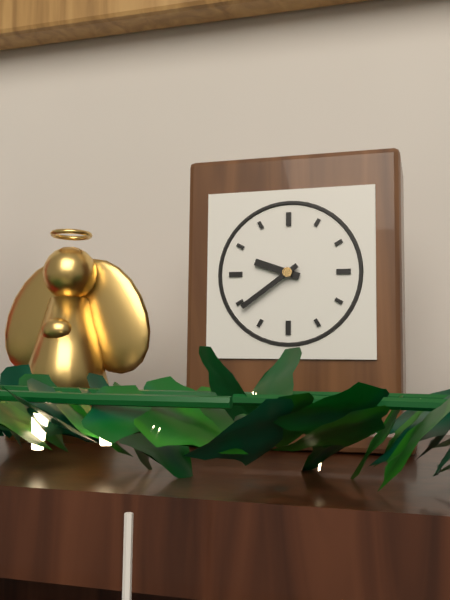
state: 9:39
